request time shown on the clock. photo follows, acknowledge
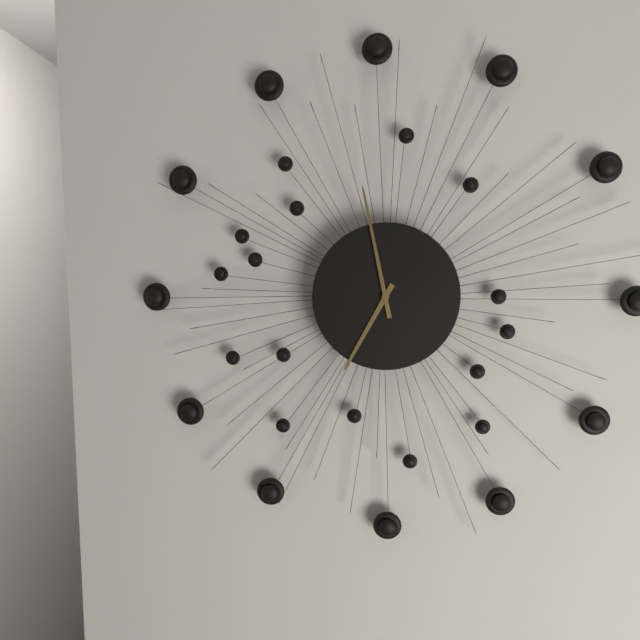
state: 6:58
